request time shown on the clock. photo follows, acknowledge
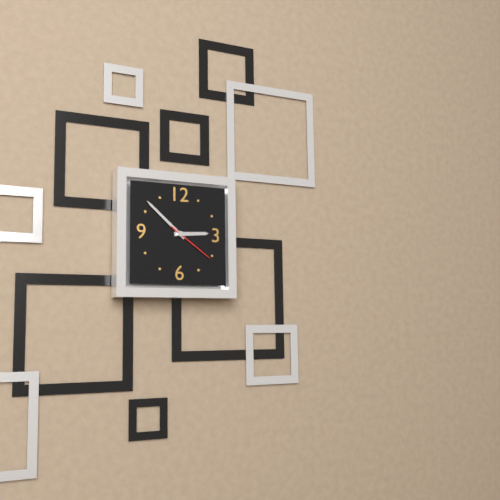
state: 2:52:21
